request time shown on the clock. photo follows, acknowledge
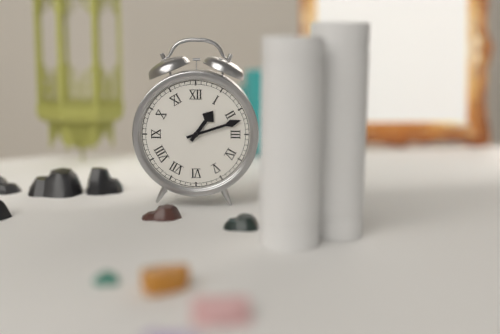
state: 1:12
